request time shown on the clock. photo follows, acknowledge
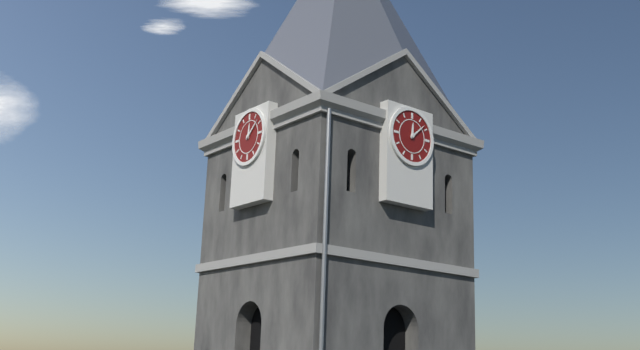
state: 12:08
